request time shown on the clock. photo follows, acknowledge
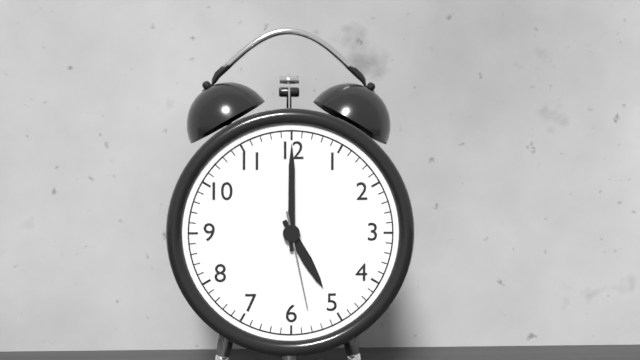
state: 5:00:28
